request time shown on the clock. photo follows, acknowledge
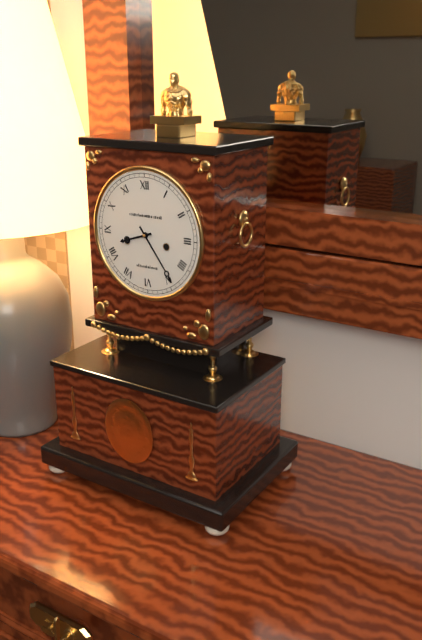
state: 8:24
